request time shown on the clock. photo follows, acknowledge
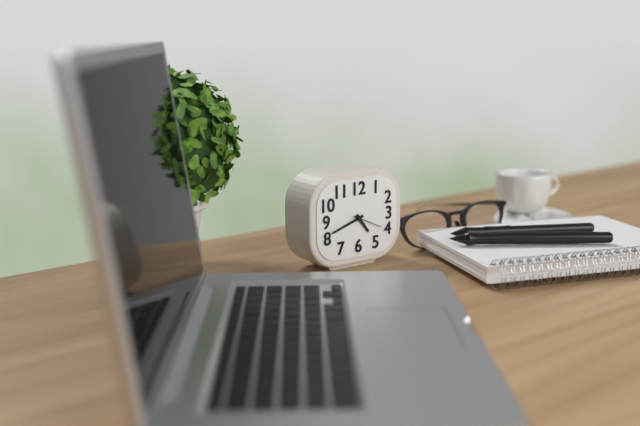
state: 4:42
